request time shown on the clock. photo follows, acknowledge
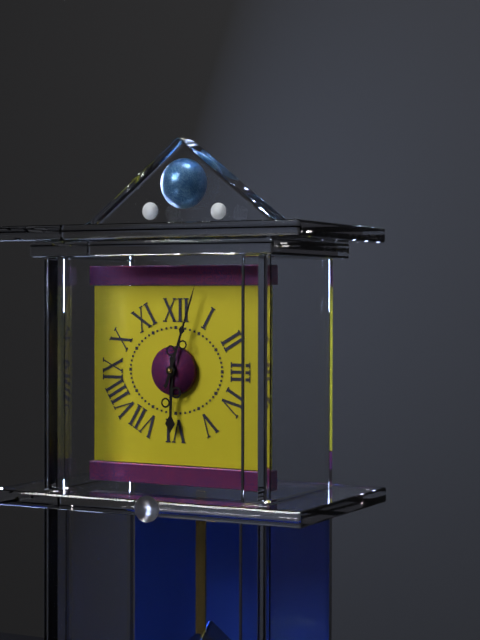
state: 6:03
